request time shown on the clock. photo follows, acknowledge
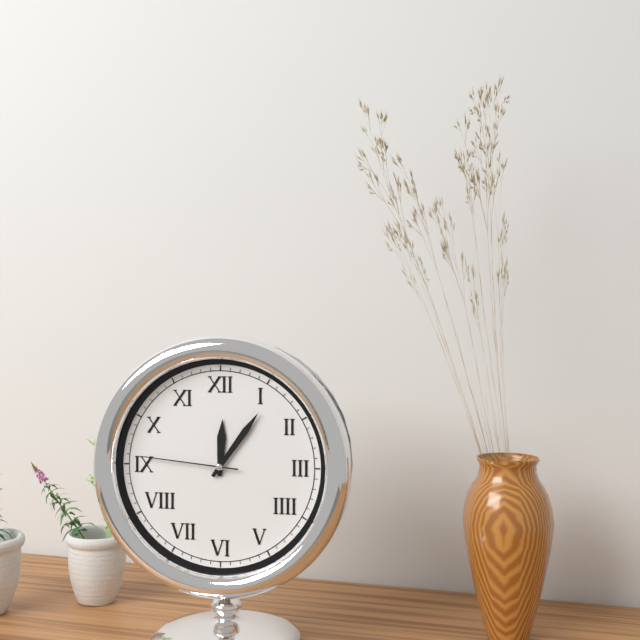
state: 12:06:46
